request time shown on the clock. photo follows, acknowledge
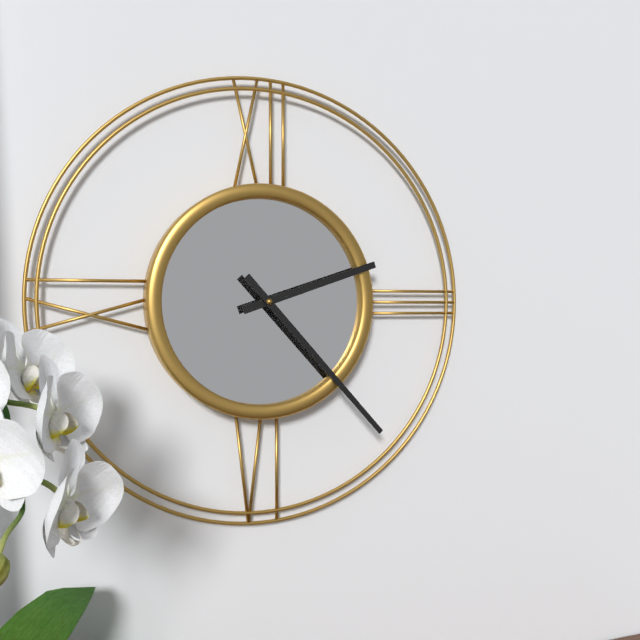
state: 2:23
